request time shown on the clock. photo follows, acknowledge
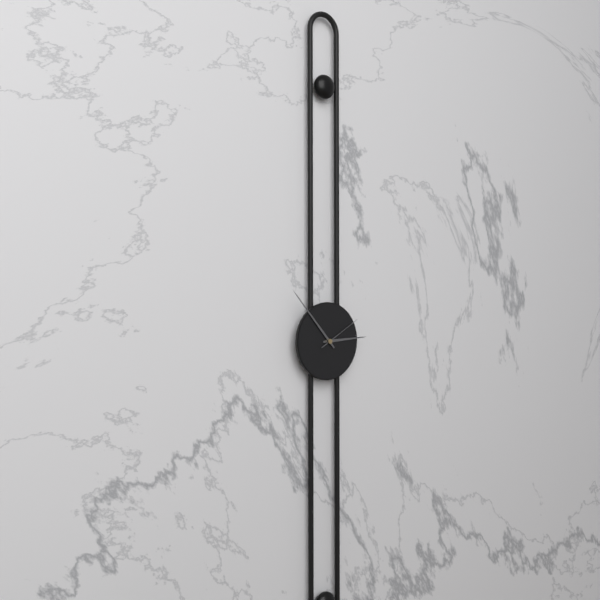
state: 2:53
